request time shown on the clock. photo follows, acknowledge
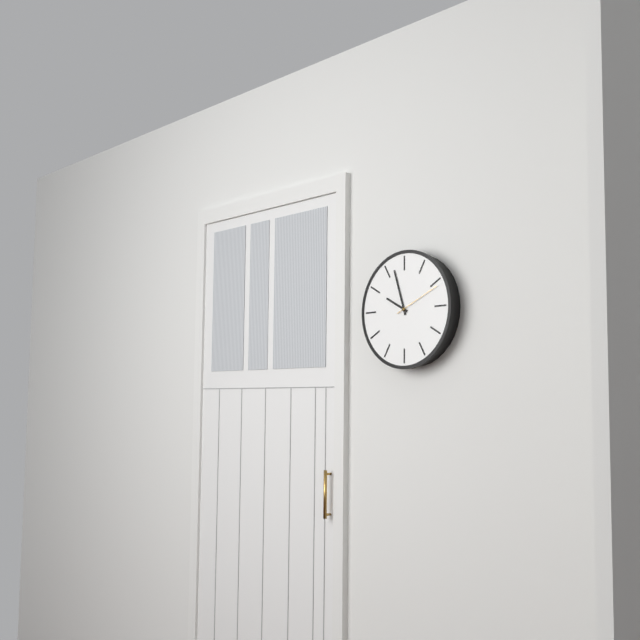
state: 9:57
